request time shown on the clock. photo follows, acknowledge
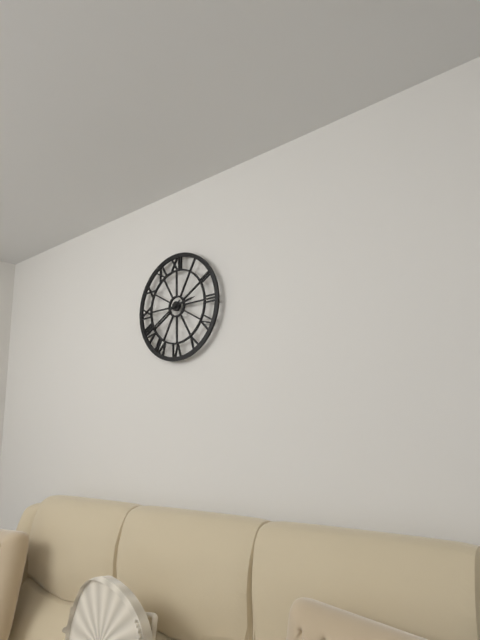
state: 2:40
